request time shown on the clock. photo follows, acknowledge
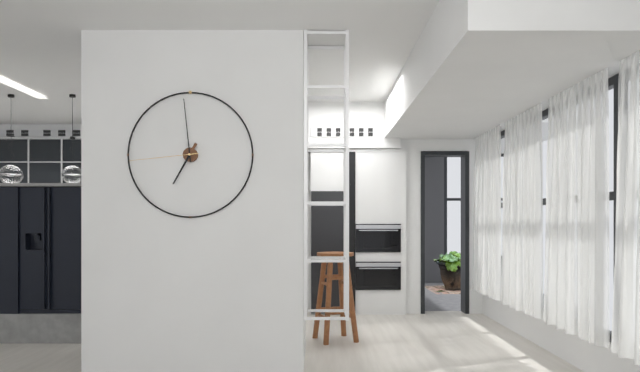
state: 6:59:44
